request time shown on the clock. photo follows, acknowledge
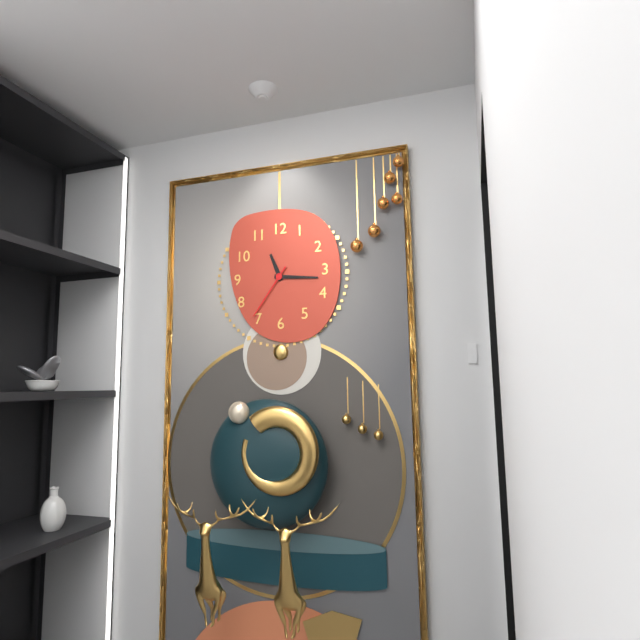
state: 11:16:36
